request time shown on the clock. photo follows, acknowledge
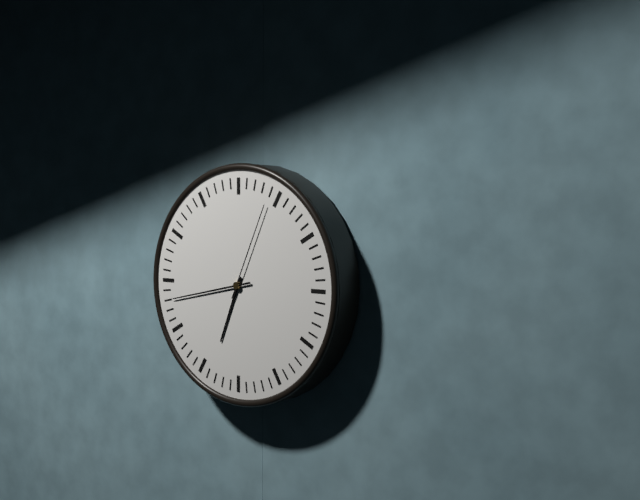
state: 6:43:04
